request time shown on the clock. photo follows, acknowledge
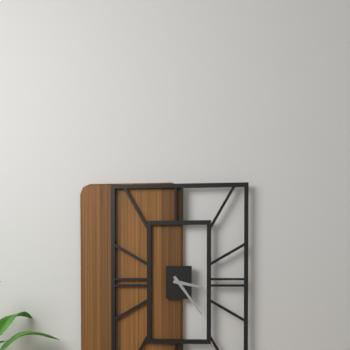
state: 3:24
